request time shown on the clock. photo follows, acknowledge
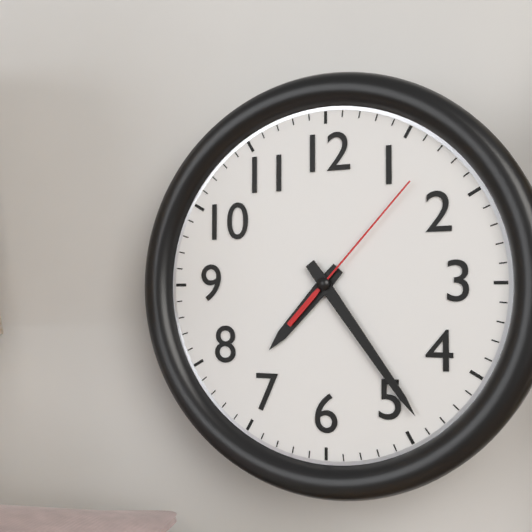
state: 7:24:07
